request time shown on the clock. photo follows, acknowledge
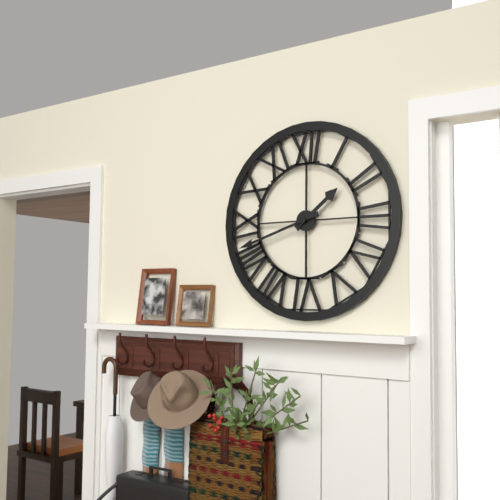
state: 1:42
